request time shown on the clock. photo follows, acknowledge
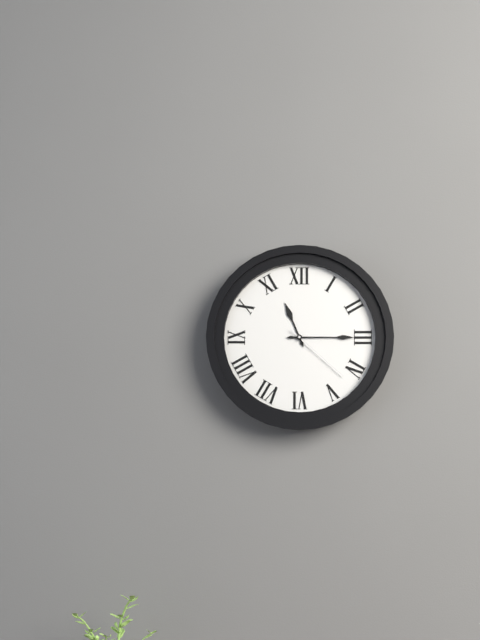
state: 11:15:22
